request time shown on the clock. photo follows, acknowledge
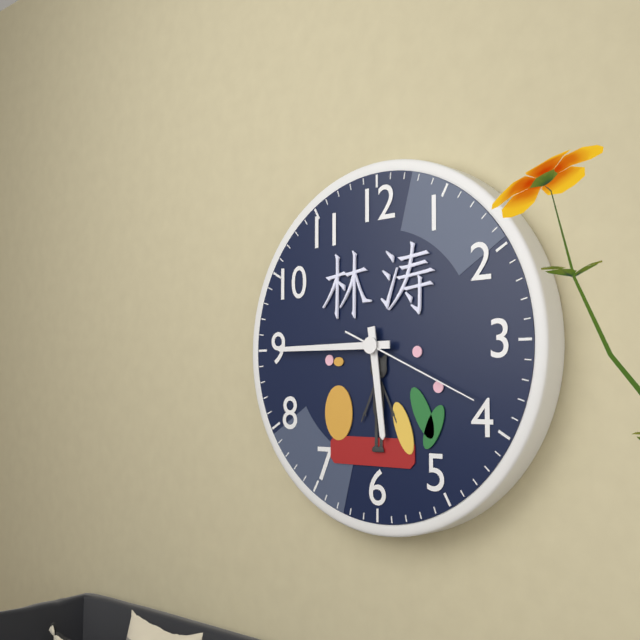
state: 5:45:19
